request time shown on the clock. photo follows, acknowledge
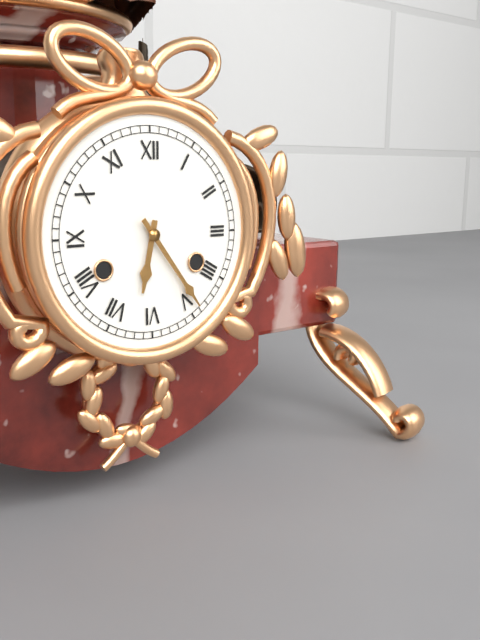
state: 6:24
